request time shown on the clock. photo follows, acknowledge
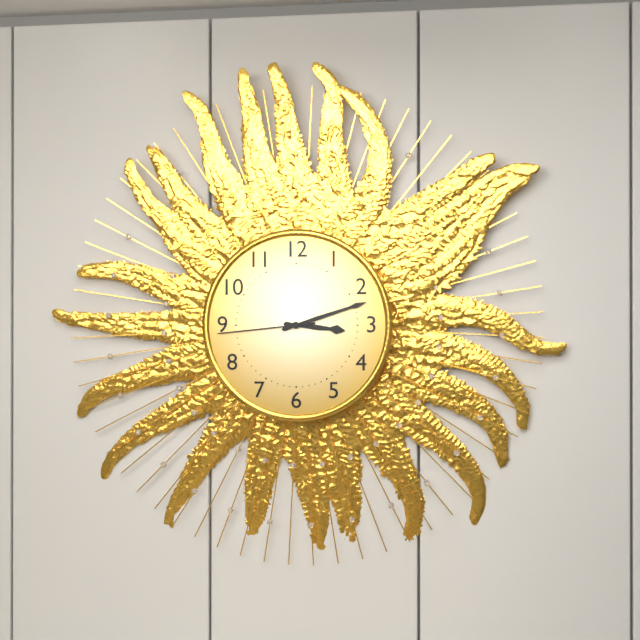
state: 3:12:44
